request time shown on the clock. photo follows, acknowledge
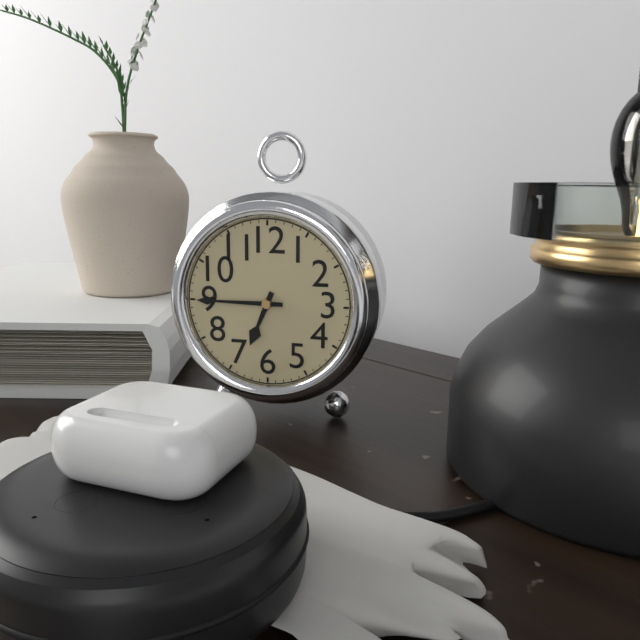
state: 6:45
